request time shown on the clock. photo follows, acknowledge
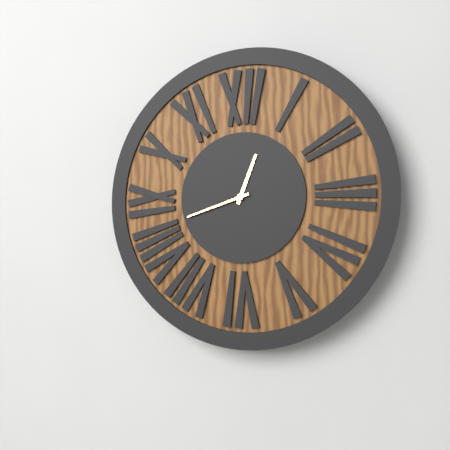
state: 12:42
